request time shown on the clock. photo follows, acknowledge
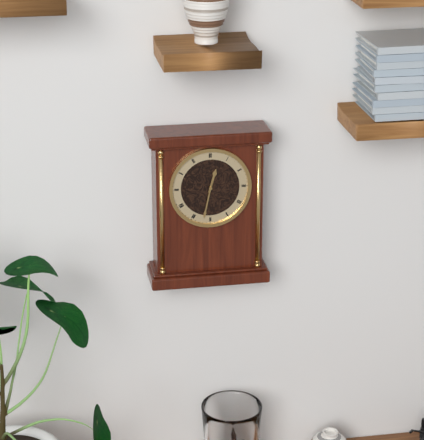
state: 12:32
